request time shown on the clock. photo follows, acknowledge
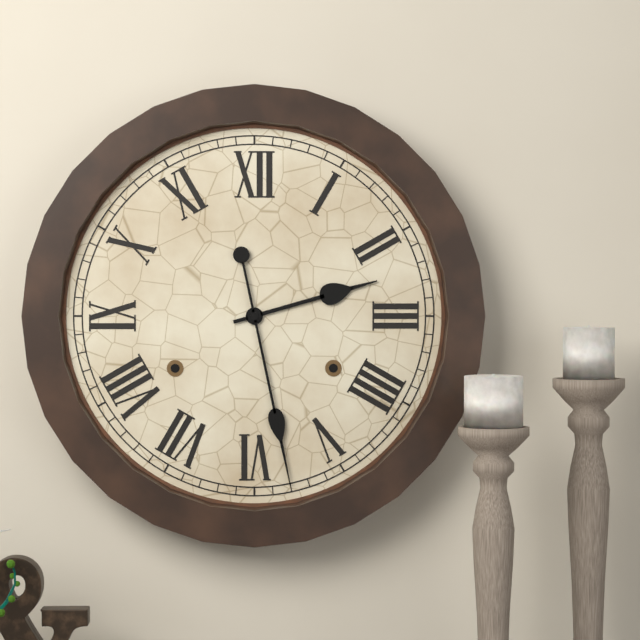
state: 2:28
